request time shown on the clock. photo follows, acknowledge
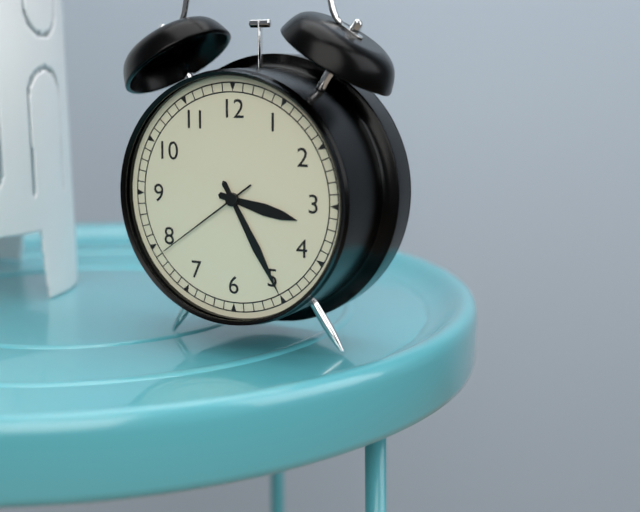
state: 3:25:39
